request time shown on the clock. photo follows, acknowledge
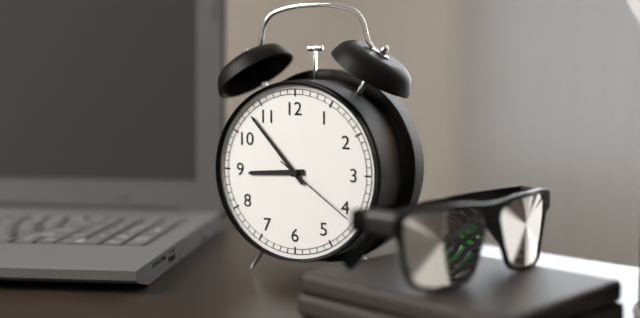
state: 8:53:21
